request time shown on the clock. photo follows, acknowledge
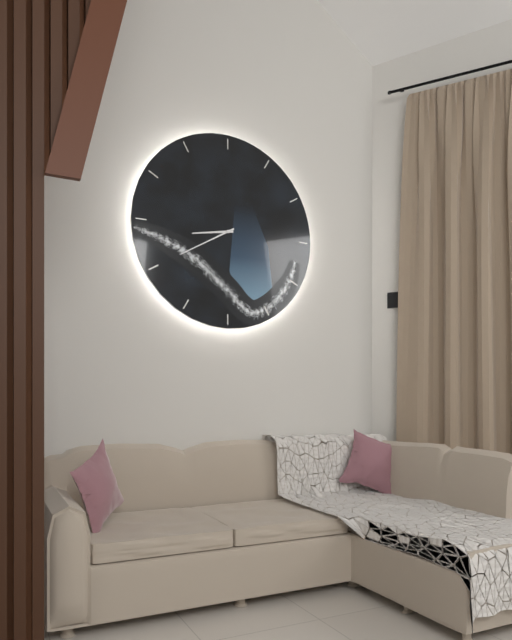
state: 8:40
